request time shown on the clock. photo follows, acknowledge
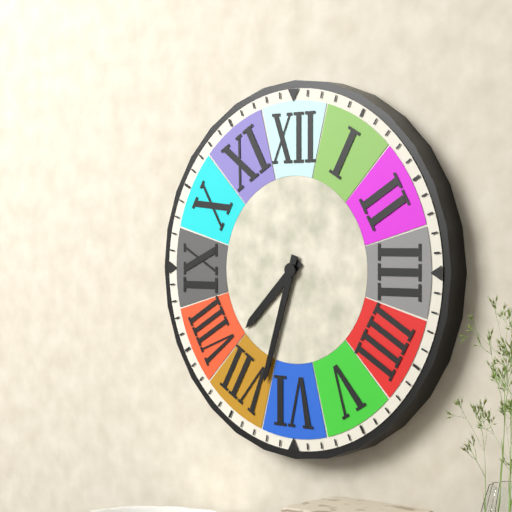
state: 7:33
